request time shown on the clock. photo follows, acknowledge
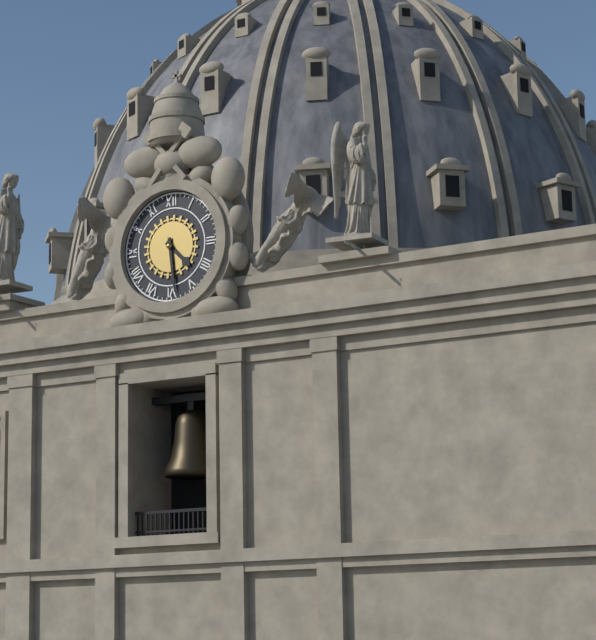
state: 4:29
